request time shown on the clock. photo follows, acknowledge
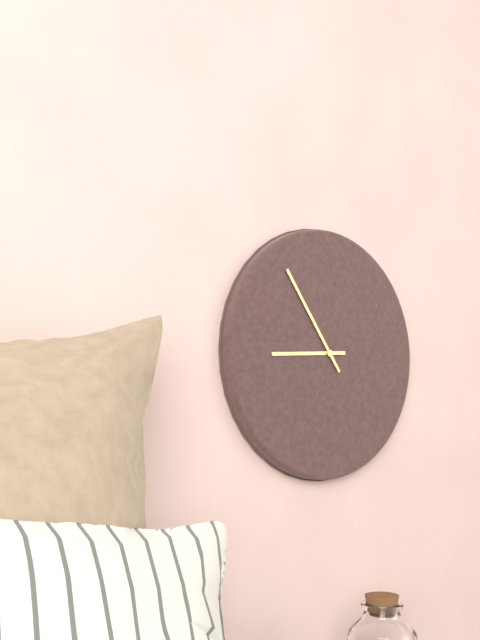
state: 8:54
